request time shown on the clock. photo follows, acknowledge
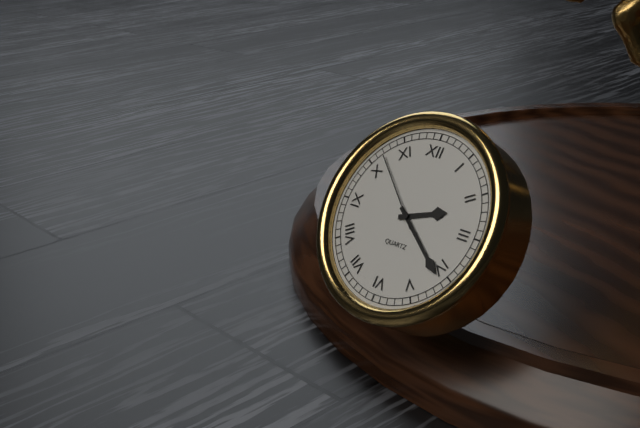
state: 2:21:52
